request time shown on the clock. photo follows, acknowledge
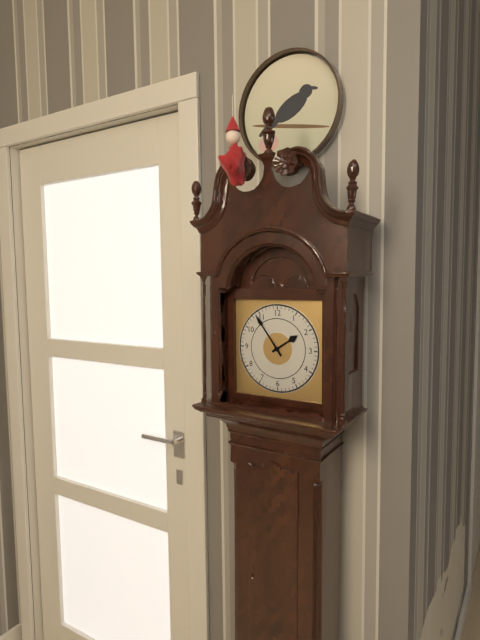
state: 1:54
